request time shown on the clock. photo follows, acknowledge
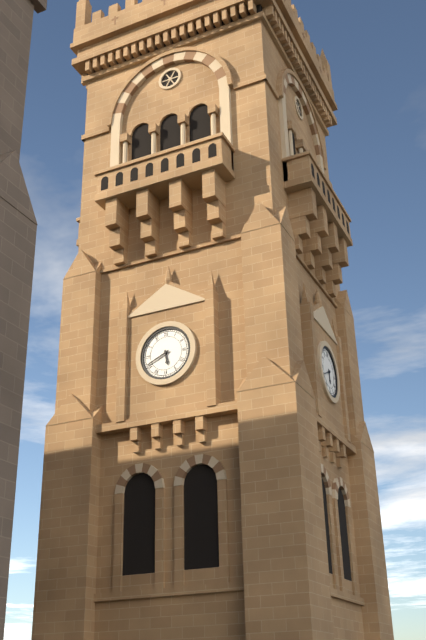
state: 5:41
